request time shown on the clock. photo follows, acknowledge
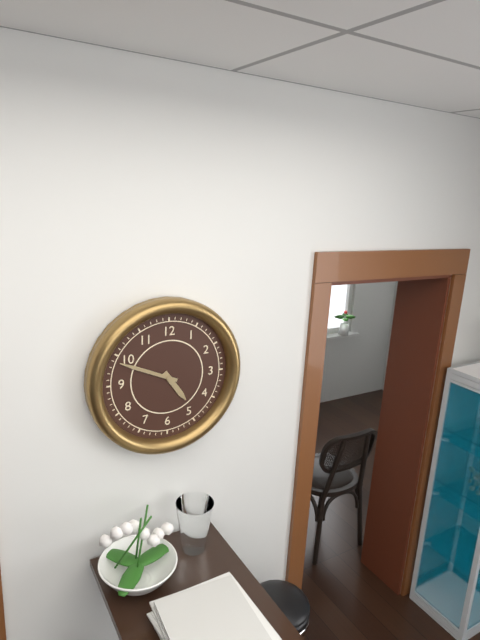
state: 4:49
